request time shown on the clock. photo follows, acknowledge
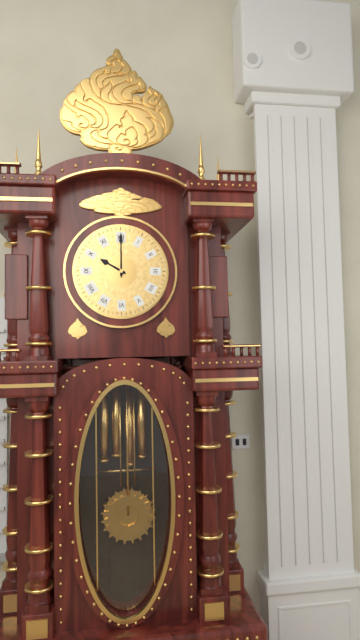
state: 10:00
